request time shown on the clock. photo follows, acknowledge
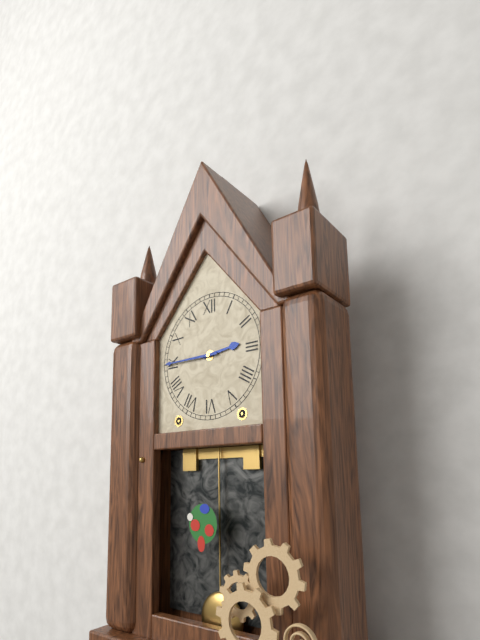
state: 2:45
